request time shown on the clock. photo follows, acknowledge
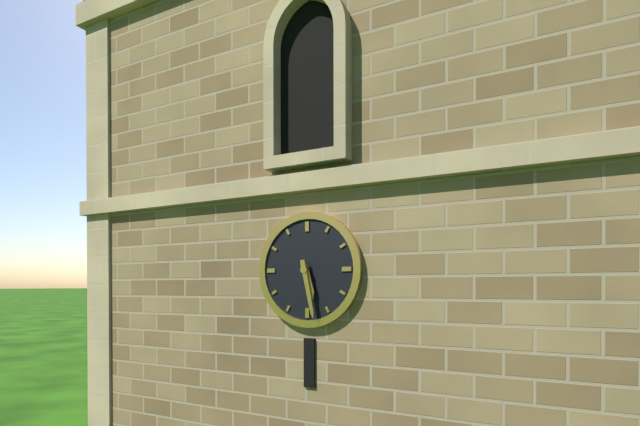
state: 5:28
